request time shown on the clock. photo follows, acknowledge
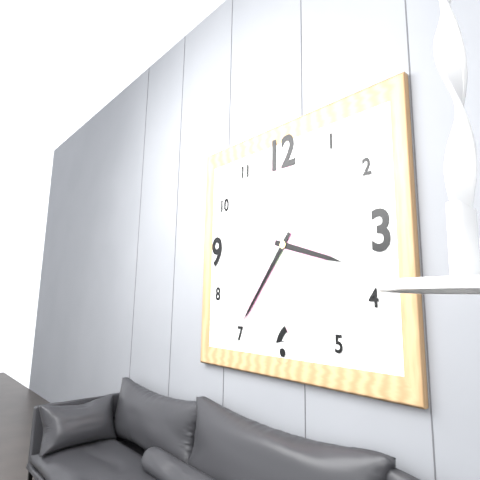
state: 3:36
